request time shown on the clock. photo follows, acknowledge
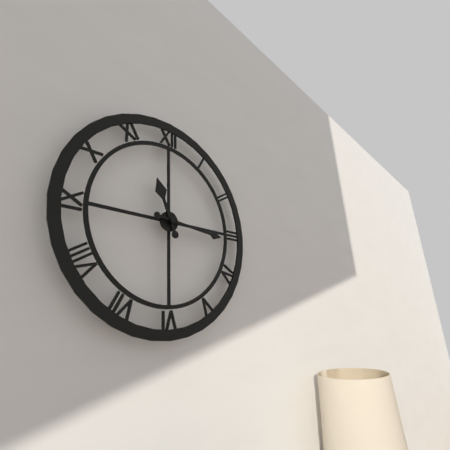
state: 11:16
